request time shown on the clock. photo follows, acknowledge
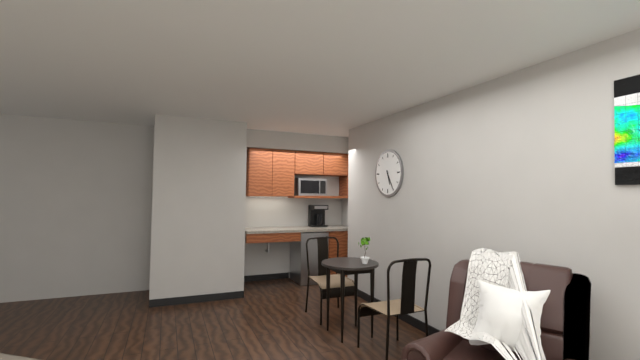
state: 5:25
